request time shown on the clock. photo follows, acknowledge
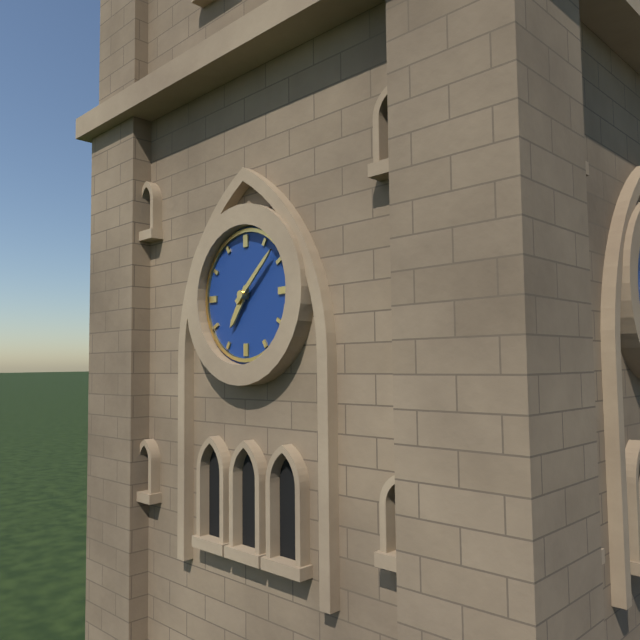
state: 7:08
